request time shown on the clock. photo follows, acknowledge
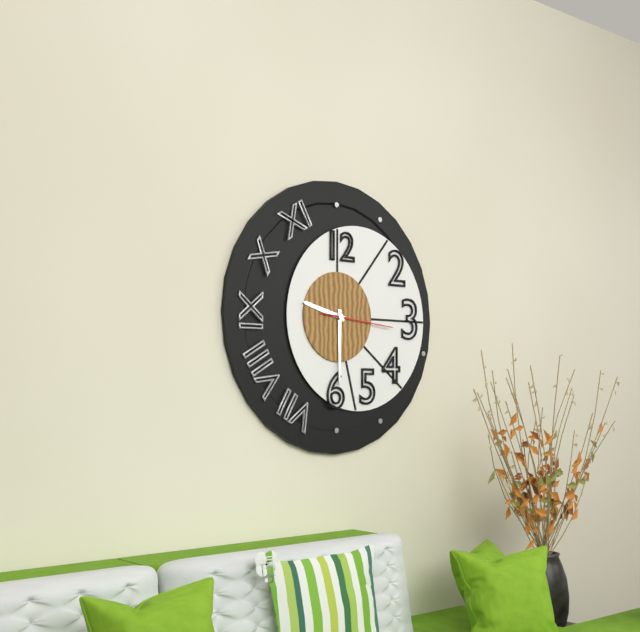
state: 9:30:16
